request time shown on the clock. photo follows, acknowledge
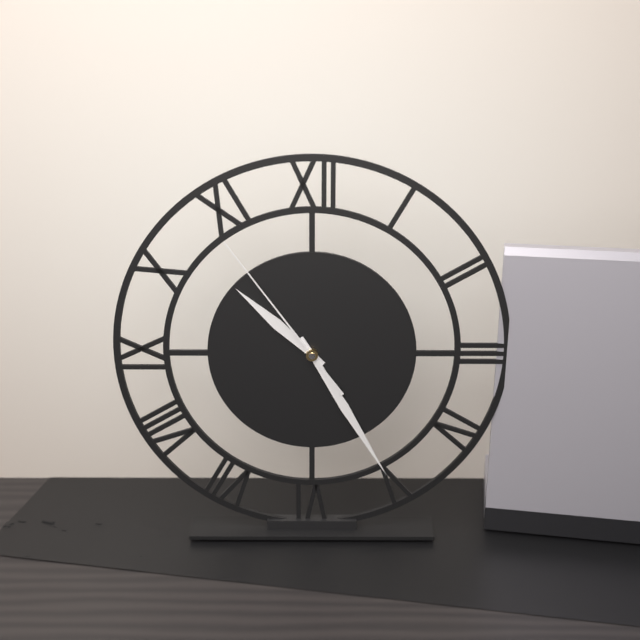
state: 10:25:54
